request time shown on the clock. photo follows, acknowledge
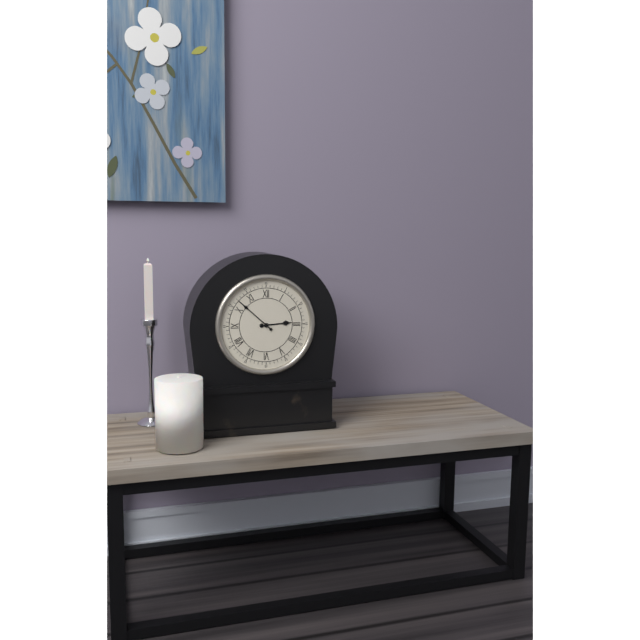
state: 2:52
